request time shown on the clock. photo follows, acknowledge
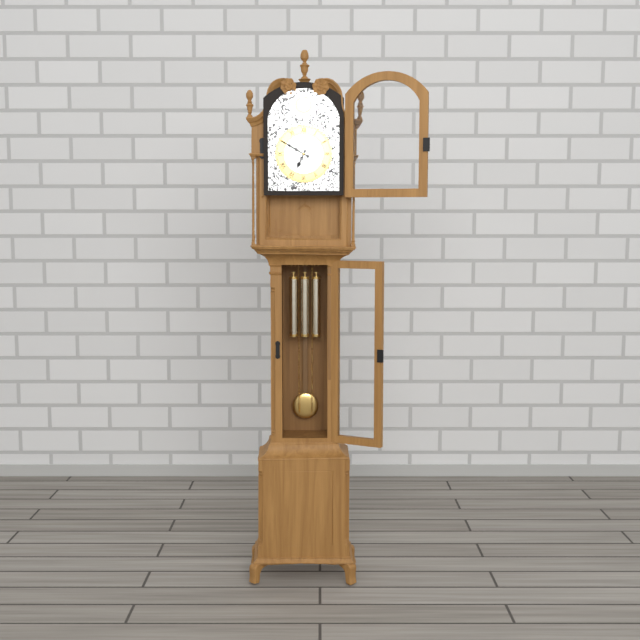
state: 6:50
